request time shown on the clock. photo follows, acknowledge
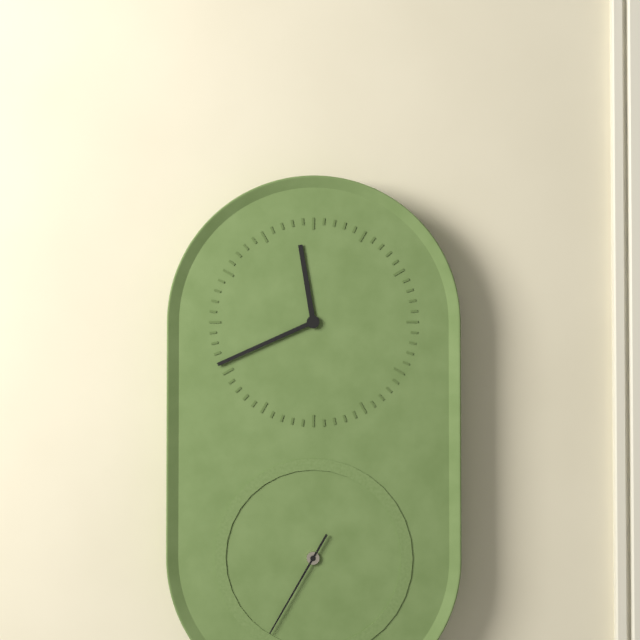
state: 11:41:35
